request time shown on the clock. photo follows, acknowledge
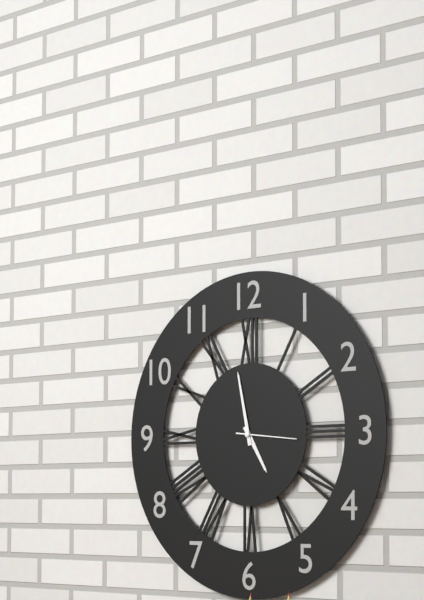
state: 4:58:16
